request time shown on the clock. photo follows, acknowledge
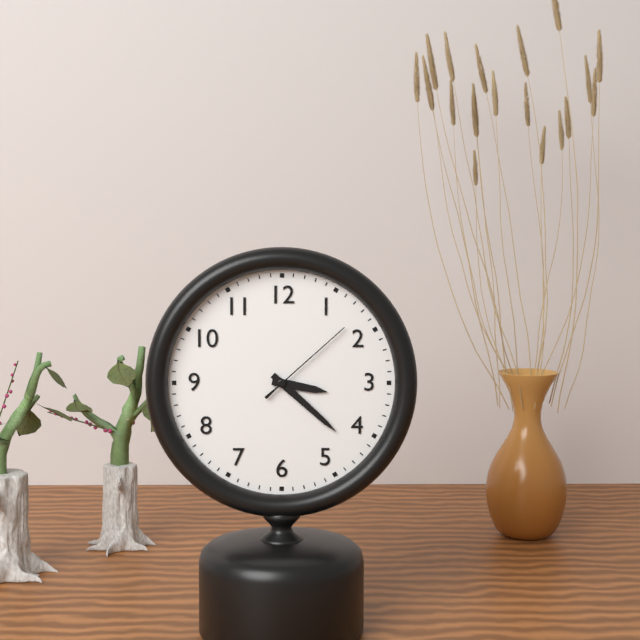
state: 3:22:08
